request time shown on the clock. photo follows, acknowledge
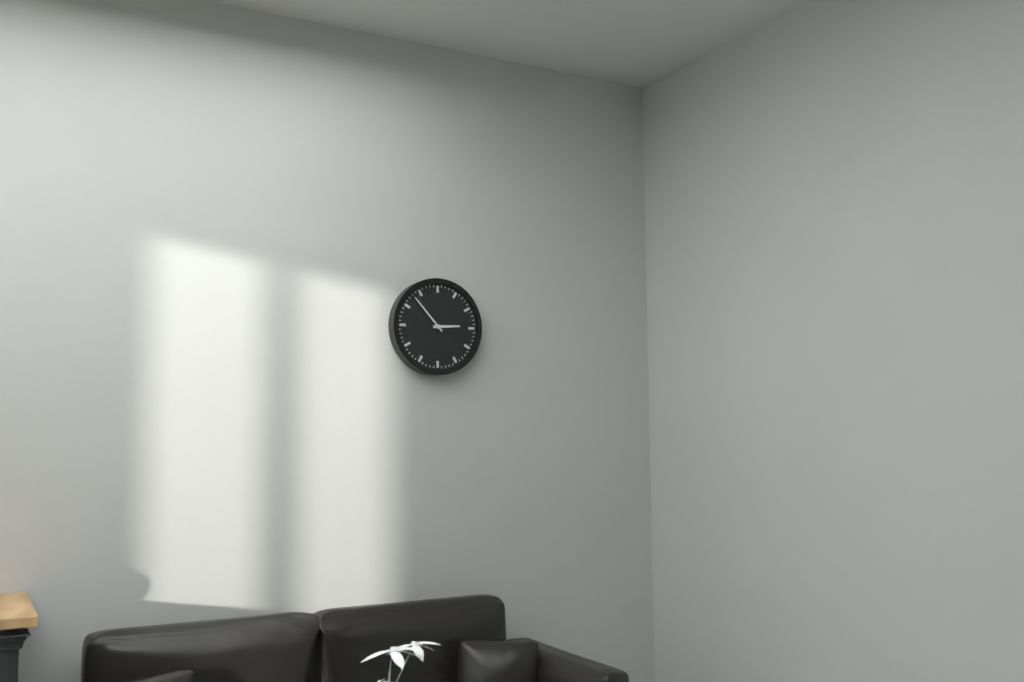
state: 2:53
